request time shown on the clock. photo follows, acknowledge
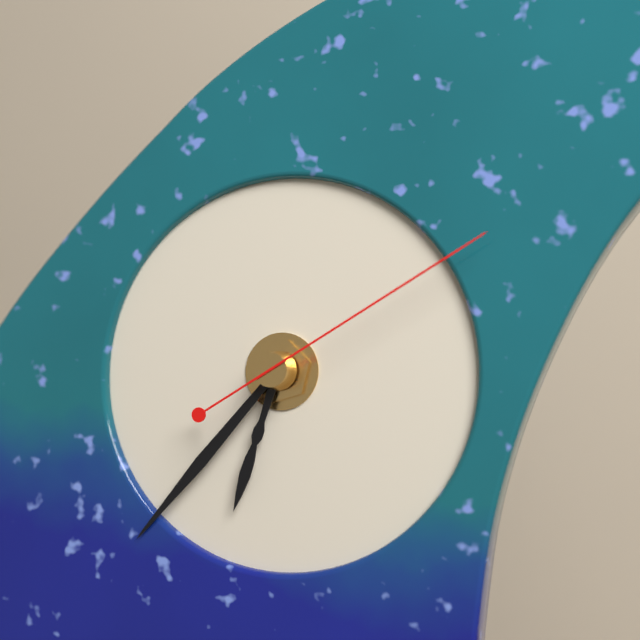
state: 6:37:10
